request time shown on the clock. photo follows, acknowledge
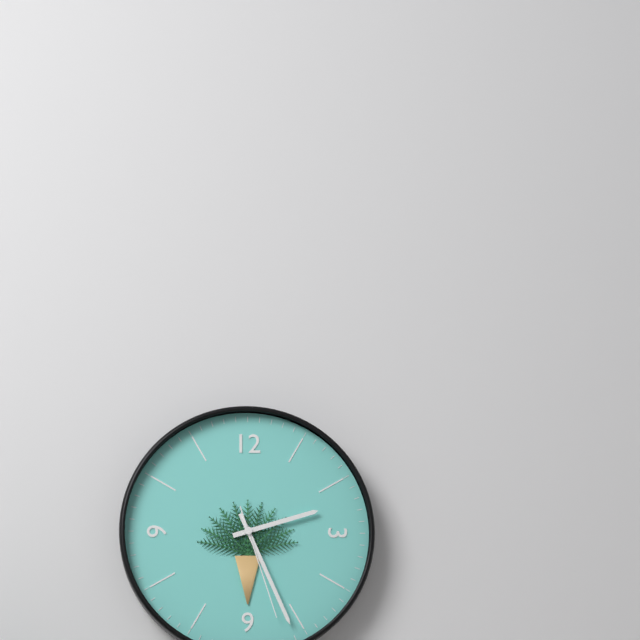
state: 2:26:27
